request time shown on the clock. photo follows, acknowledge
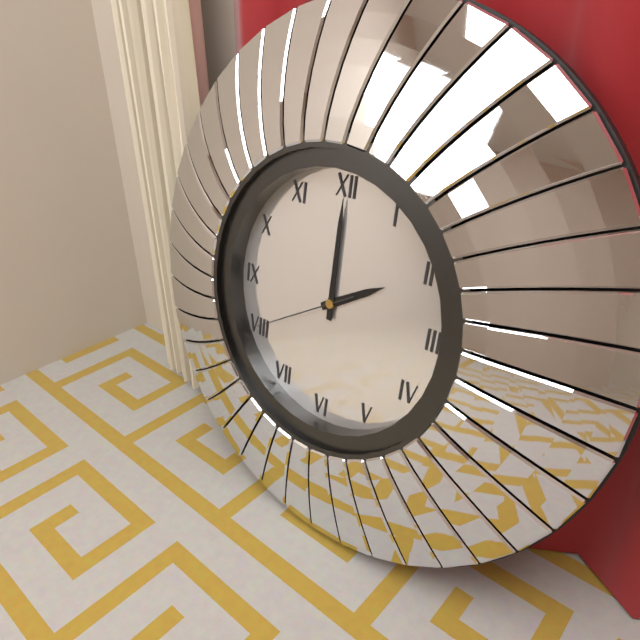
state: 2:00:40
